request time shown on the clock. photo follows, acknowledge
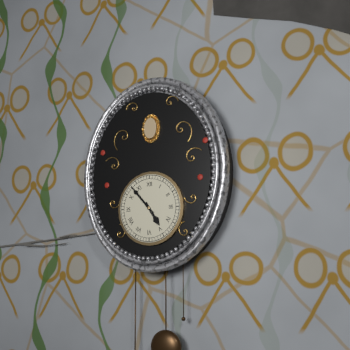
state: 4:53
